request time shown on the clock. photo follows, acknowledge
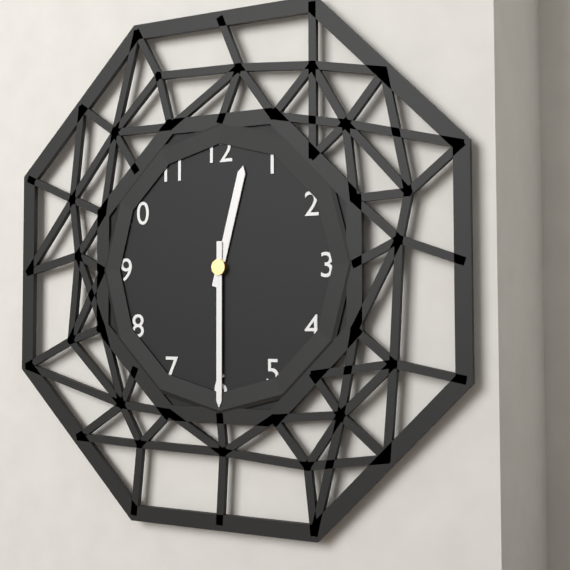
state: 12:30
